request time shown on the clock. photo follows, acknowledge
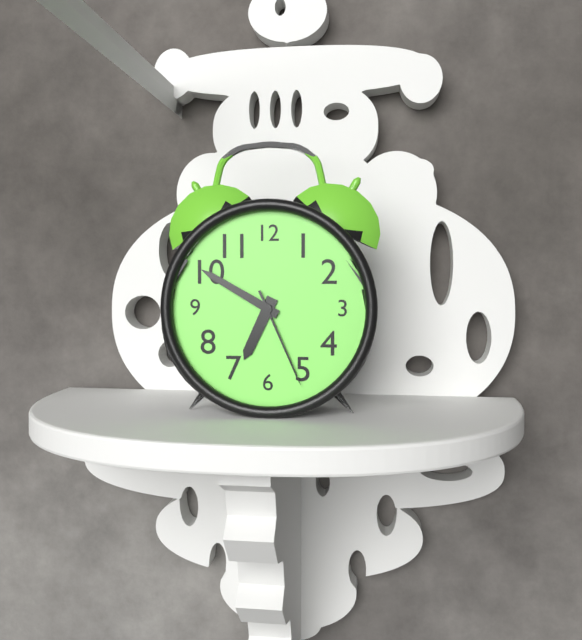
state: 6:50:26
